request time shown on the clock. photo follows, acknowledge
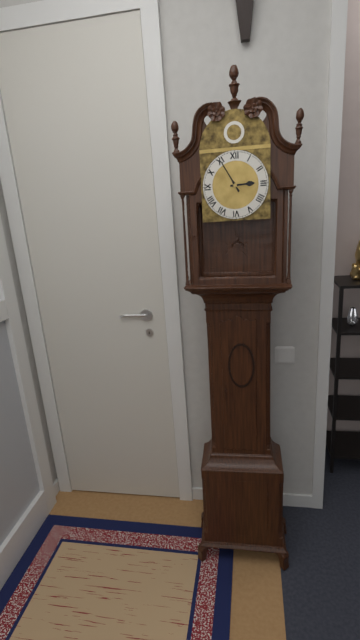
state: 2:55
